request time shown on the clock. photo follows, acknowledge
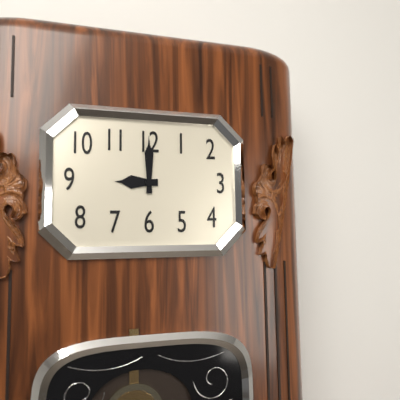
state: 9:00
